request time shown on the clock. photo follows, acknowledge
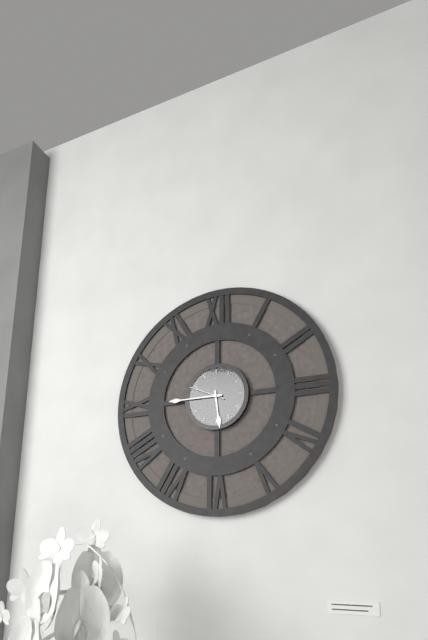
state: 5:45
